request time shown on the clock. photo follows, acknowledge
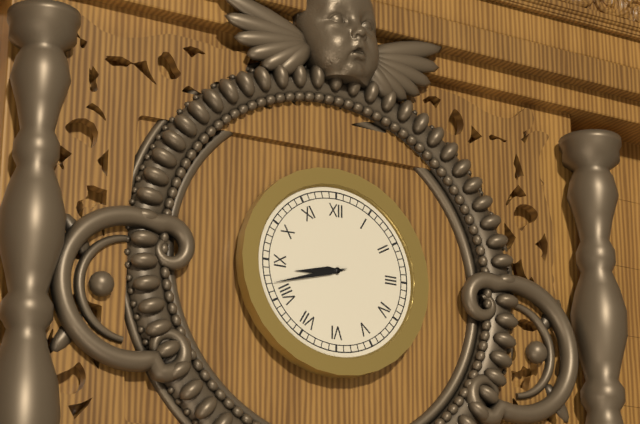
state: 8:42
